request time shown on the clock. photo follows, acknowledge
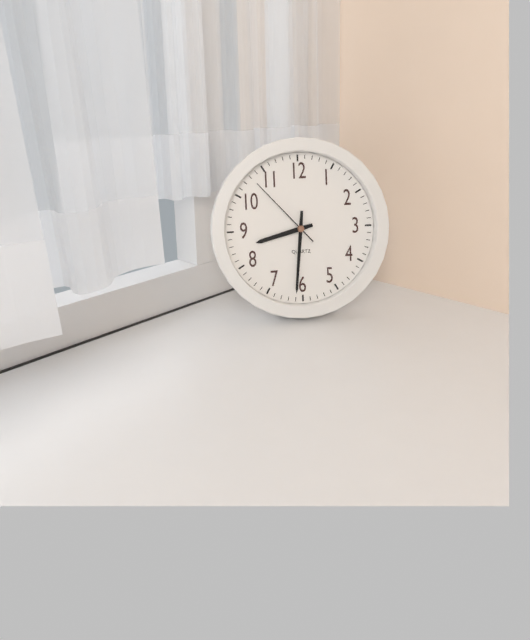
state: 8:31:53
